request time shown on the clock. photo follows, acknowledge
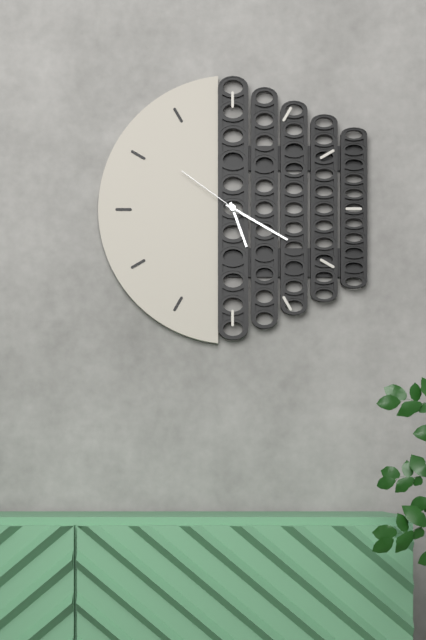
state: 5:20:51
